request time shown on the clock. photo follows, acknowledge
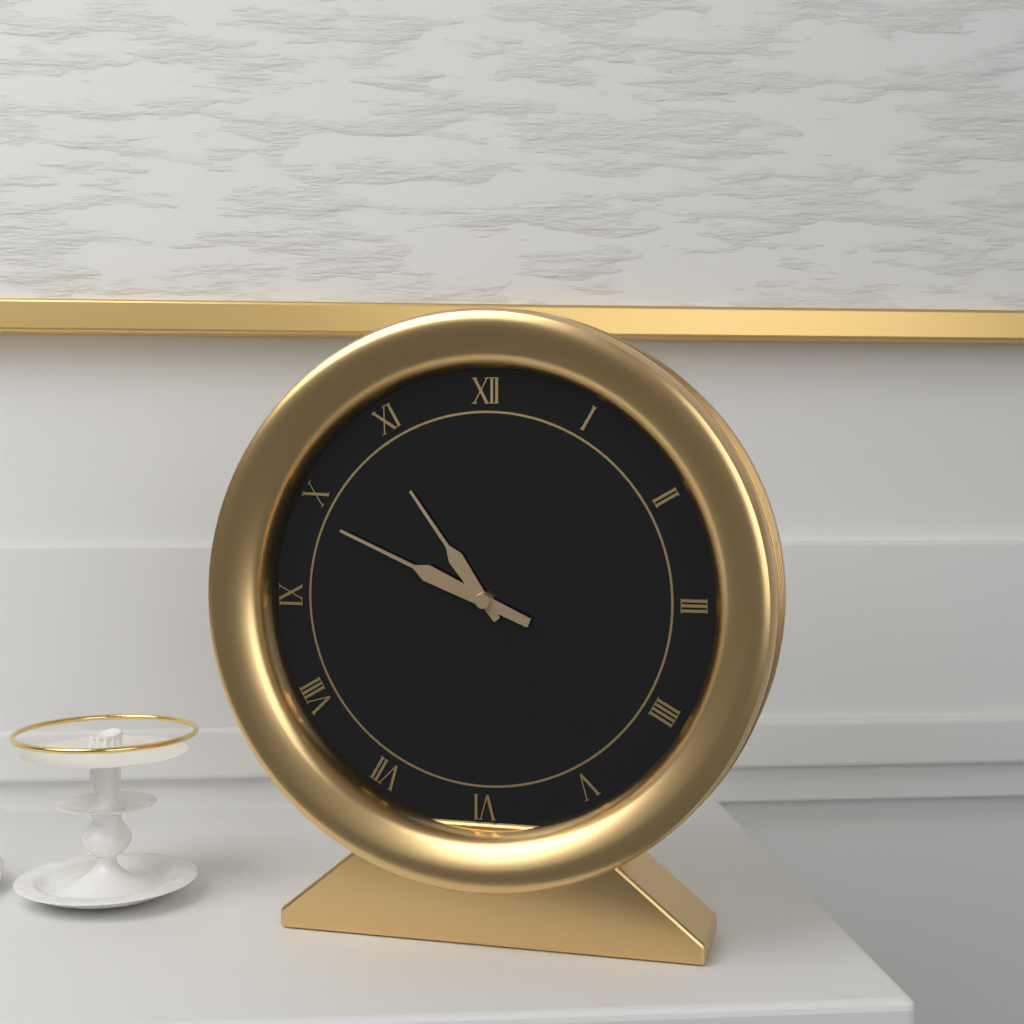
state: 10:49
